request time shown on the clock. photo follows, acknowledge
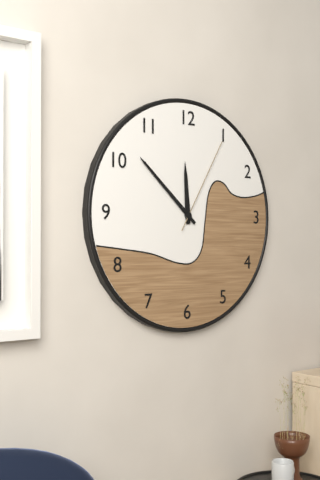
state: 11:52:05
